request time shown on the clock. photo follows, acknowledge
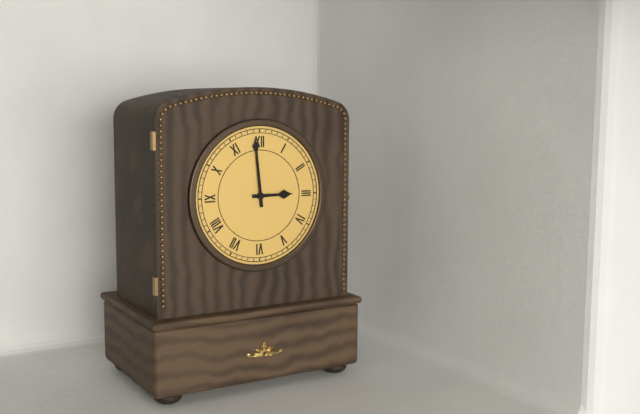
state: 2:59
